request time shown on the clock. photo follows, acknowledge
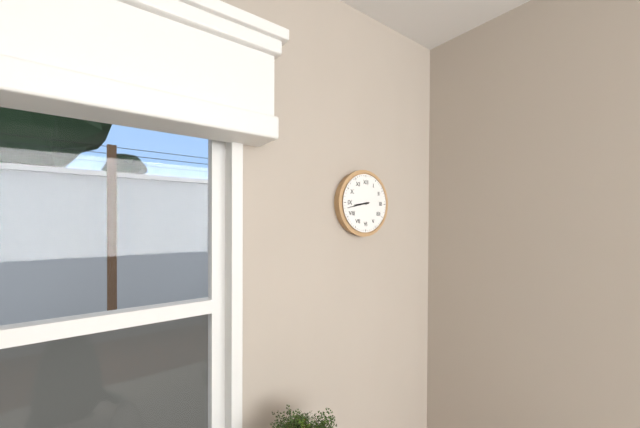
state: 8:43
